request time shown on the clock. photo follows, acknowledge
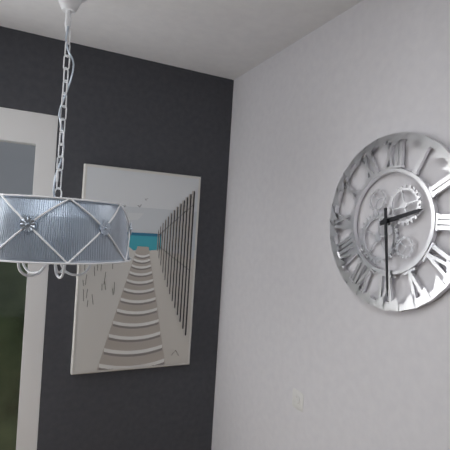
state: 2:29
